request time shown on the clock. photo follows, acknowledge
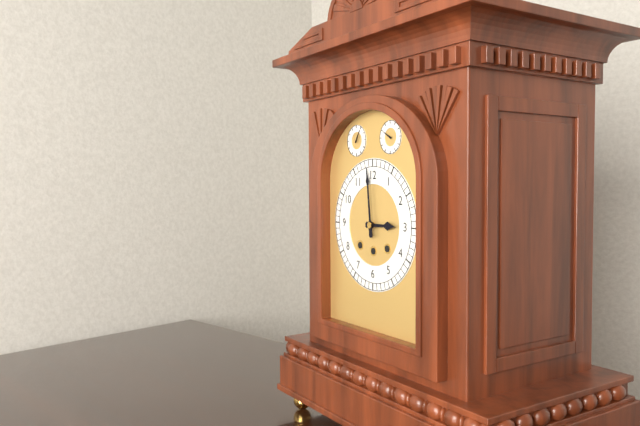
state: 2:59
